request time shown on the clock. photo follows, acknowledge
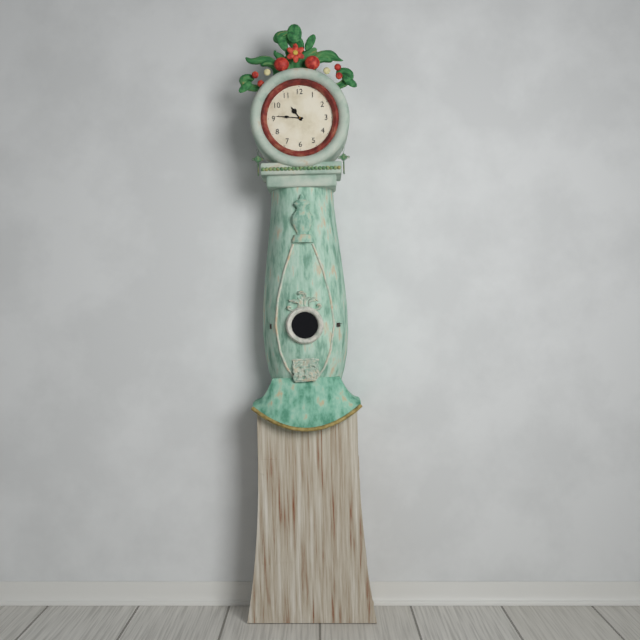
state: 10:46
